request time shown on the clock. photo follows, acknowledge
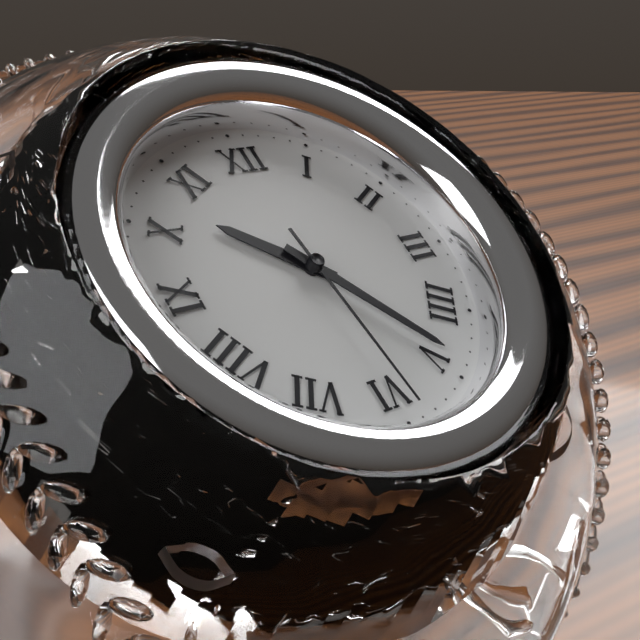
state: 10:24:29
